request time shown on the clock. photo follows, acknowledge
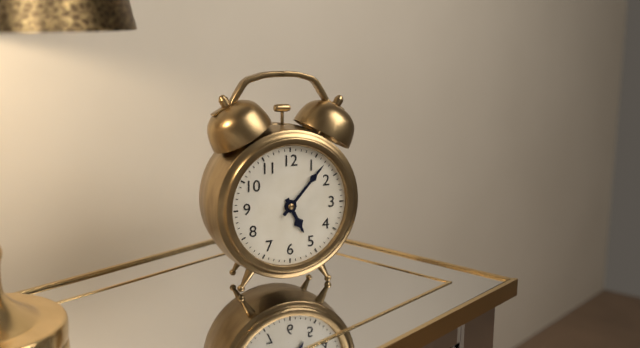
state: 5:07
